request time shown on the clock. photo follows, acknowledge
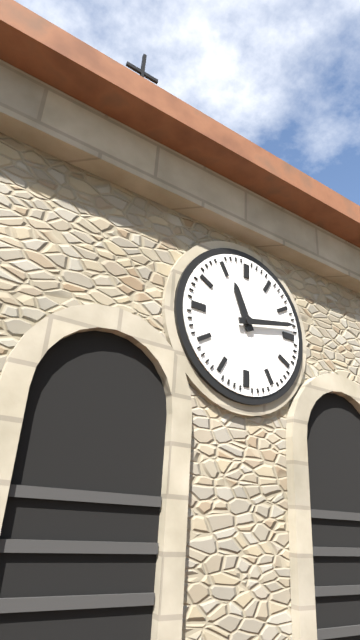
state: 11:13
